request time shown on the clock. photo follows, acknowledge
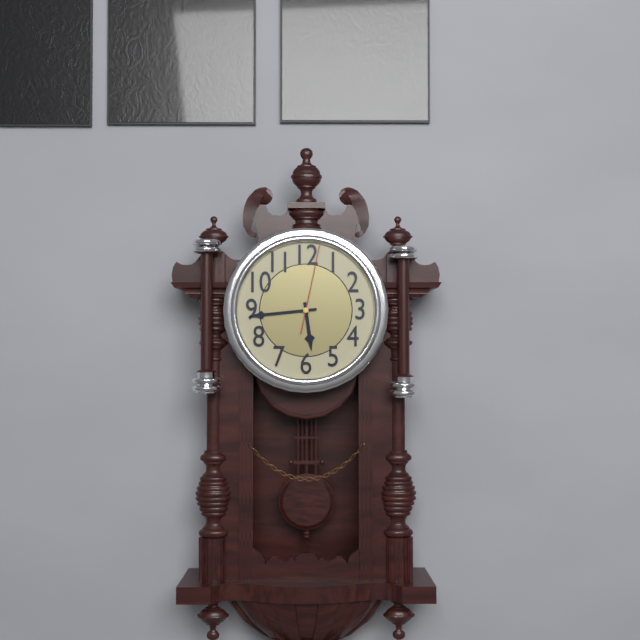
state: 5:44:02
